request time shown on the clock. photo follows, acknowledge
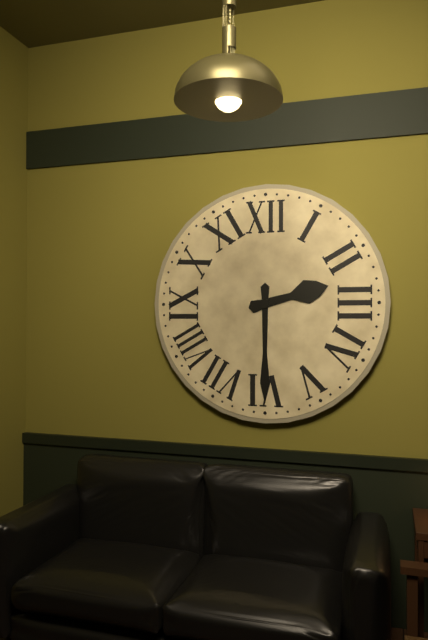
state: 2:30
